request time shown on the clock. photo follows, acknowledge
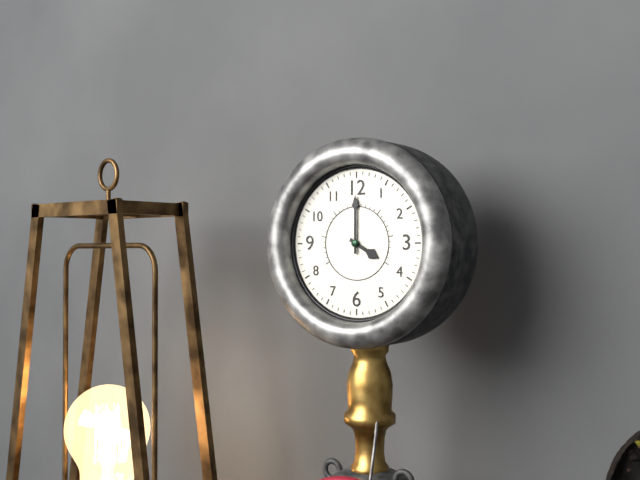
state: 4:00
